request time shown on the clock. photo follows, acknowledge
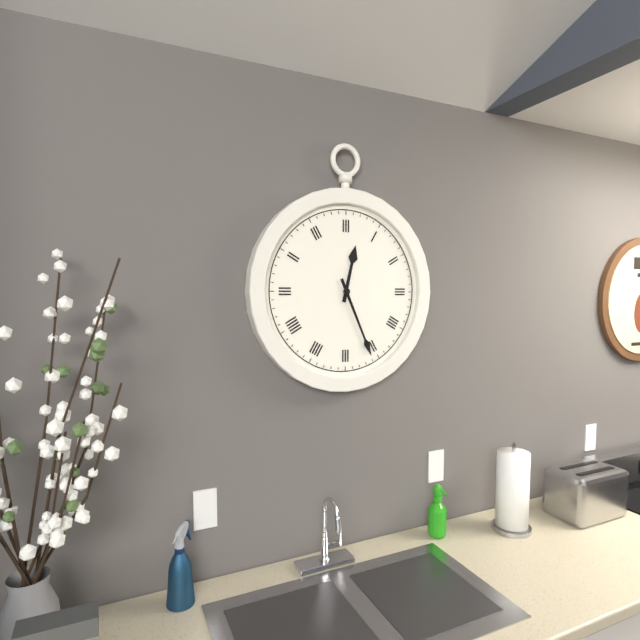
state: 12:26
